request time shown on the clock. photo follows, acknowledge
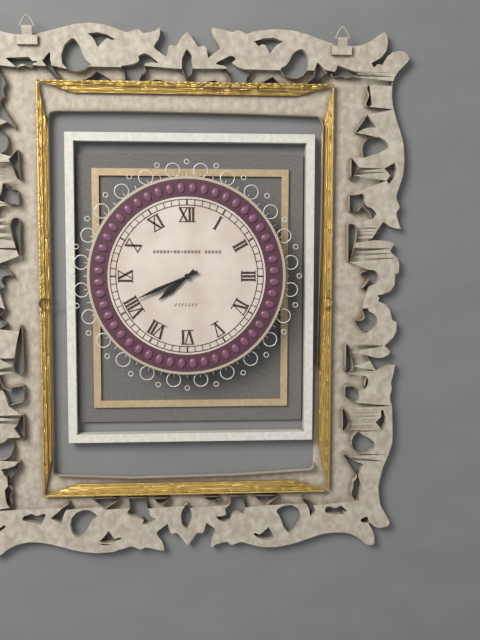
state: 7:41
